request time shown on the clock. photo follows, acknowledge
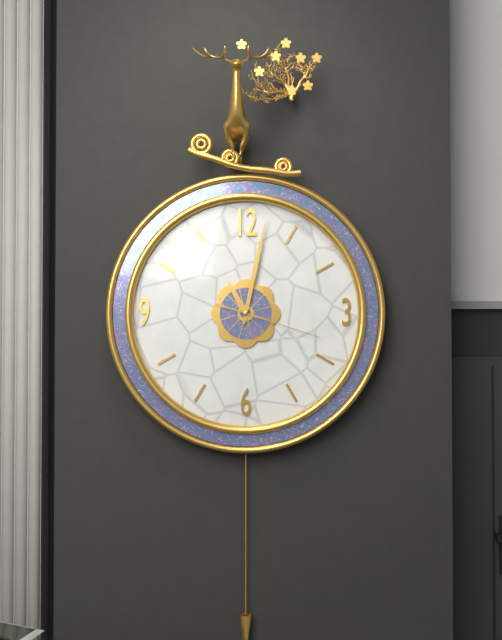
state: 11:02:18
